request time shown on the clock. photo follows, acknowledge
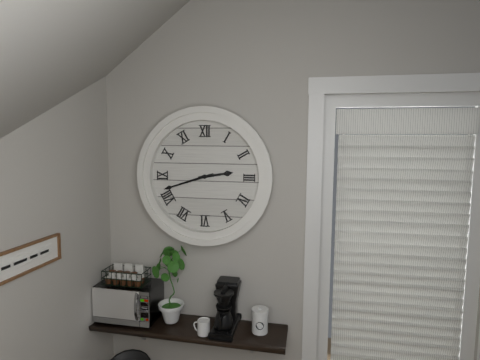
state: 2:42
